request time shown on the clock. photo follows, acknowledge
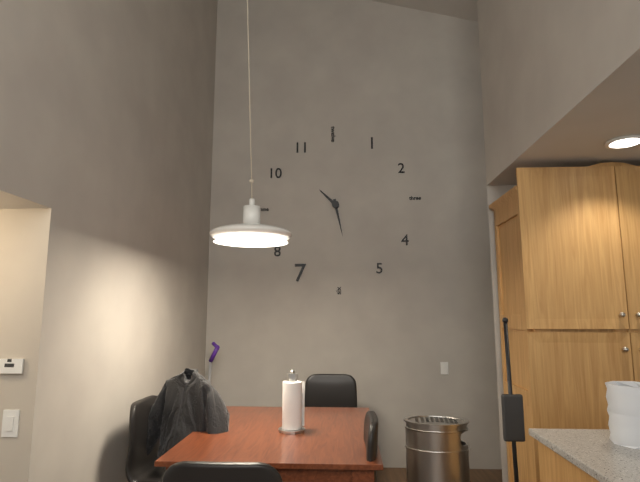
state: 10:28
